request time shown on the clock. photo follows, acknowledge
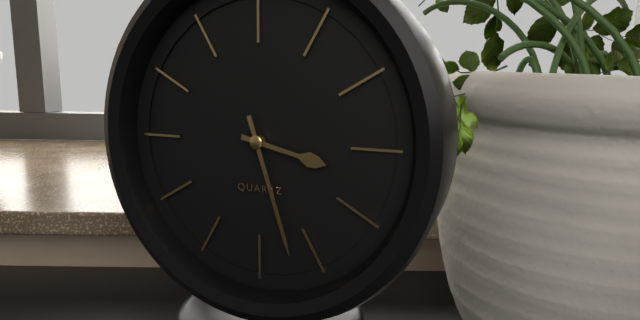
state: 3:27
